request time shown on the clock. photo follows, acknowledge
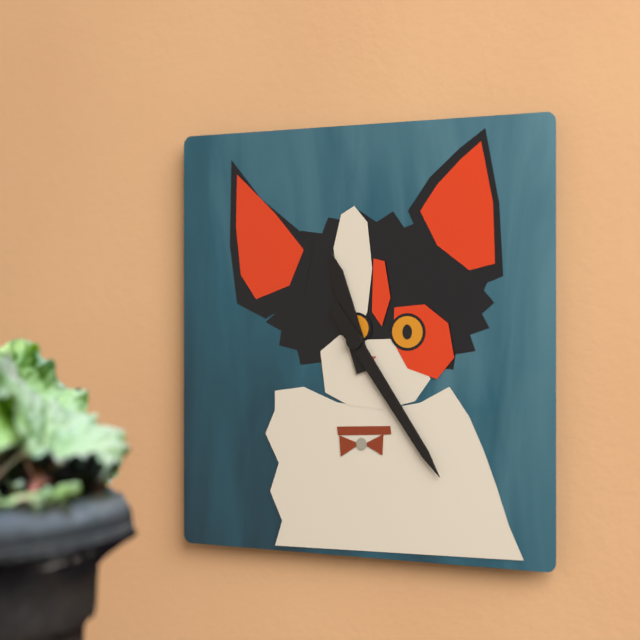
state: 11:24
